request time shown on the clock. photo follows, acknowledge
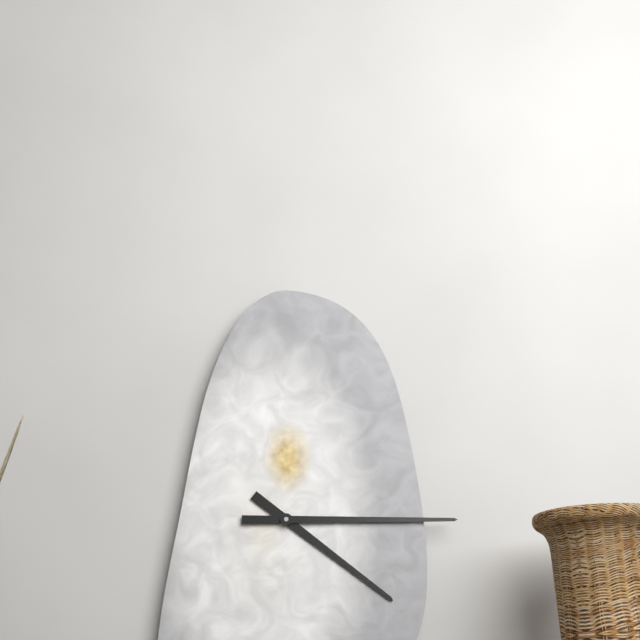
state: 4:15
